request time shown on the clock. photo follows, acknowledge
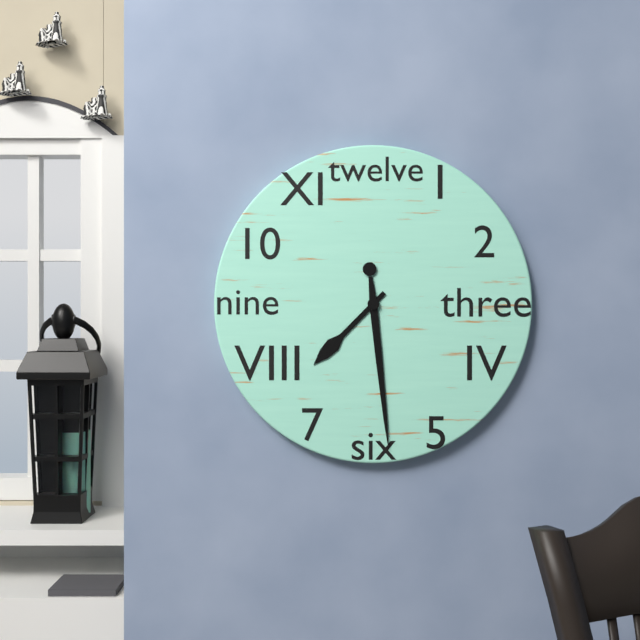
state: 7:29
